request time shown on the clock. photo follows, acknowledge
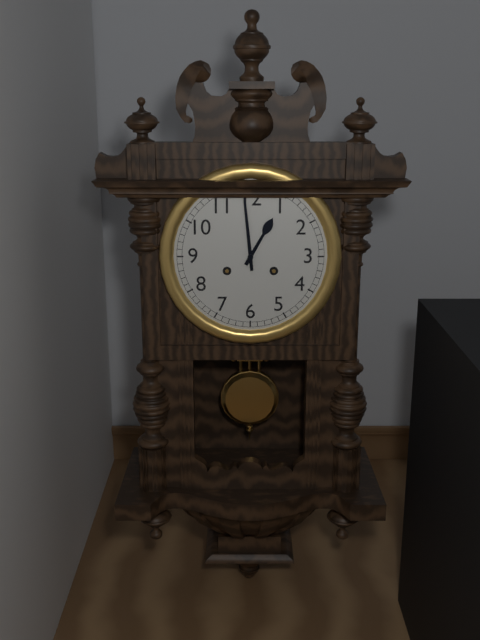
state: 12:59
